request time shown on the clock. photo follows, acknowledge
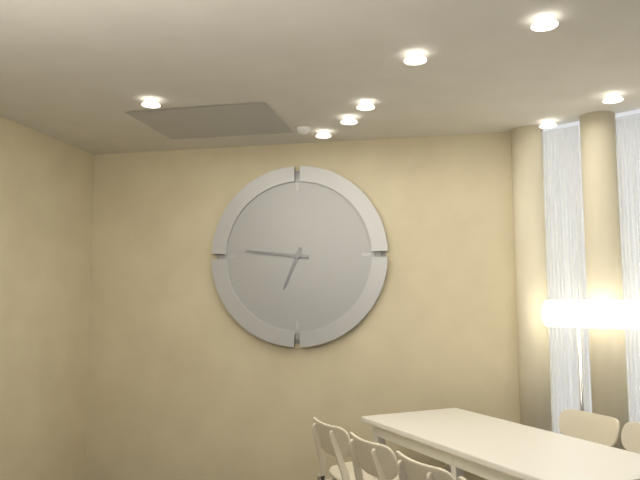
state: 6:46
